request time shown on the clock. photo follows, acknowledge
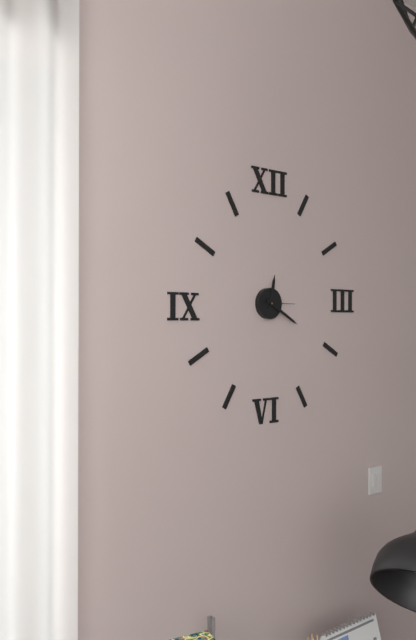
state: 12:20
